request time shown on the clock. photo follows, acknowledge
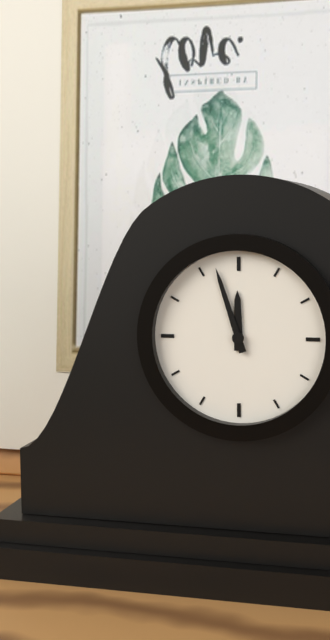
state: 11:57
